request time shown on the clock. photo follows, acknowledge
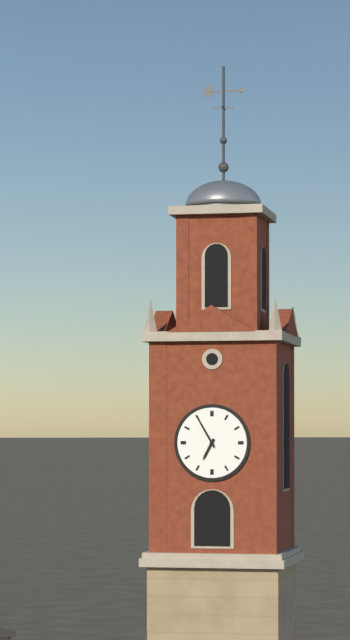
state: 6:55
